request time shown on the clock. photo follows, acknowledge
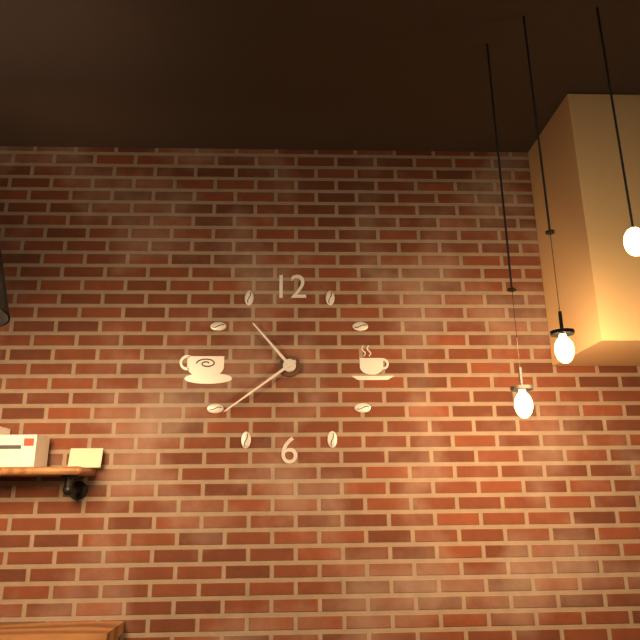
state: 10:39
